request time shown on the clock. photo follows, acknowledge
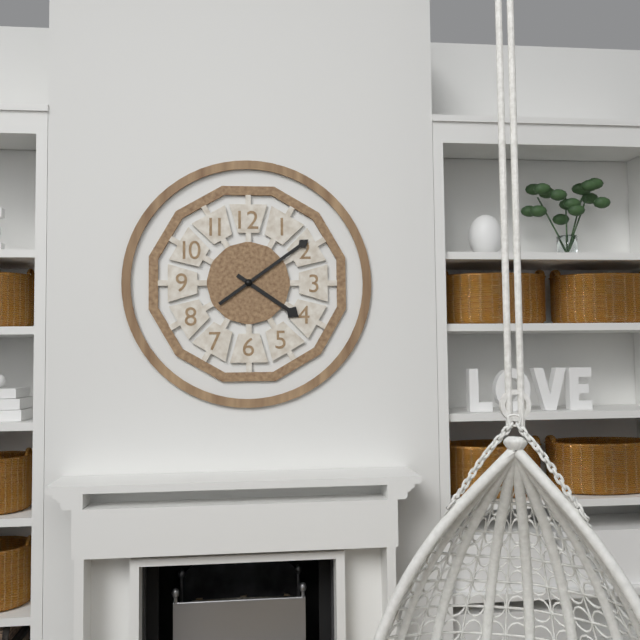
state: 4:09
